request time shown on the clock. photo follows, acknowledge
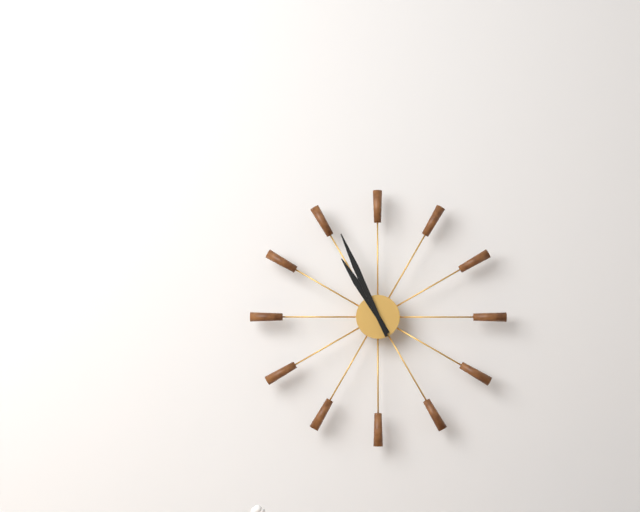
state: 10:56
